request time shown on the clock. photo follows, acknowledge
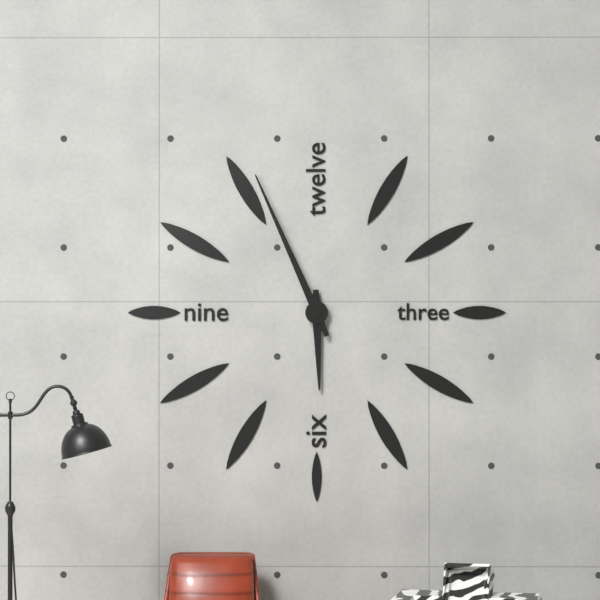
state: 5:56
